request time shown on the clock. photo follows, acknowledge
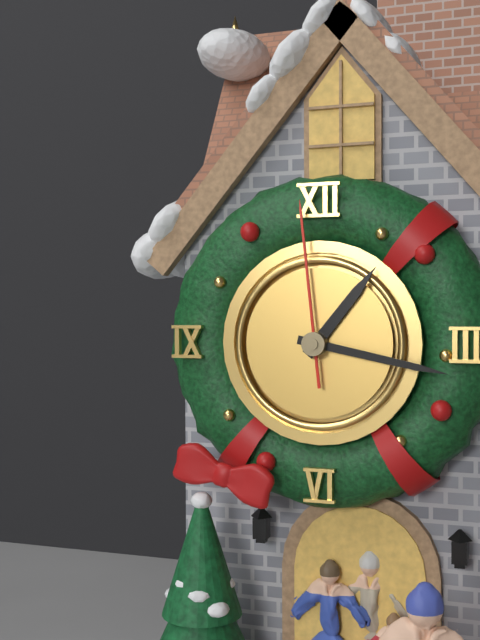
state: 1:17:59
